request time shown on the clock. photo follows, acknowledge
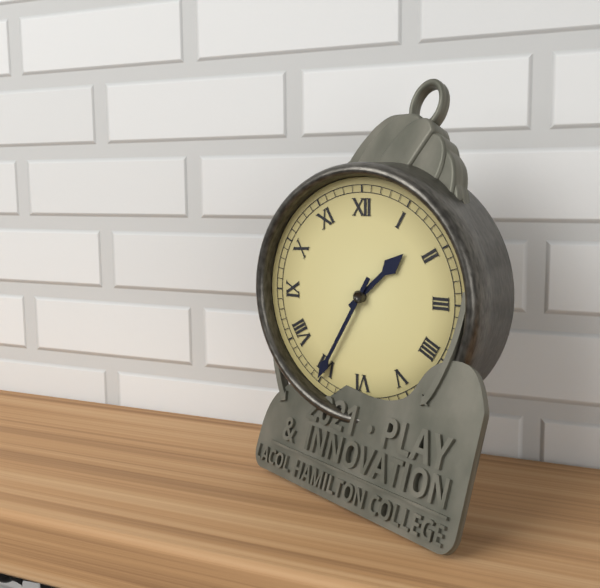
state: 1:35
